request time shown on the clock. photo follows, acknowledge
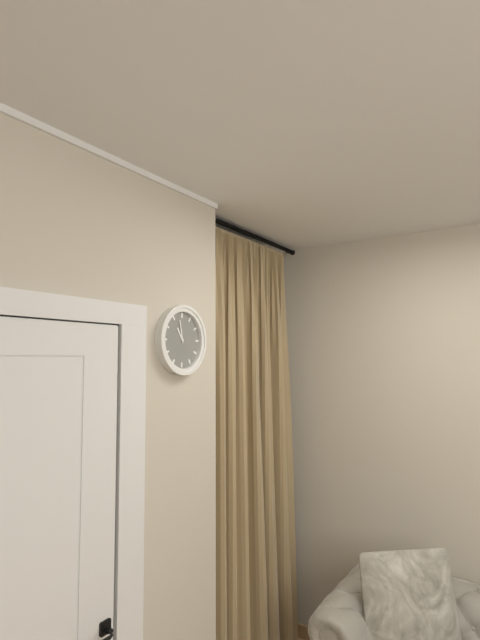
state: 10:58
